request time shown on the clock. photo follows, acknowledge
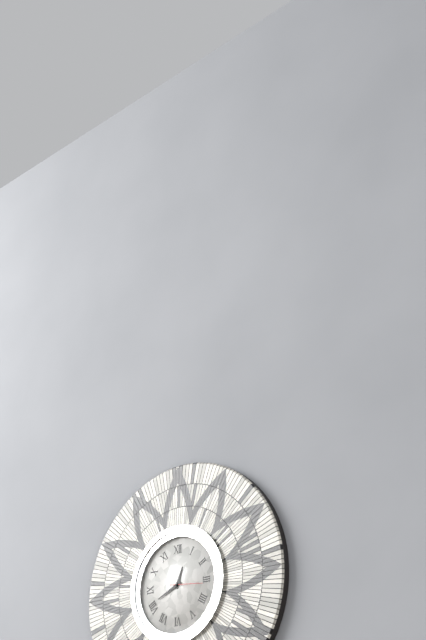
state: 12:41
